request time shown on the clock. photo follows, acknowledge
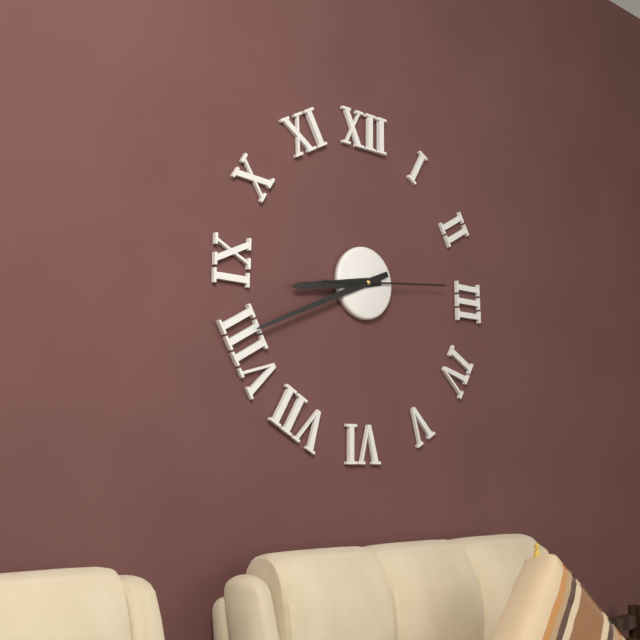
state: 8:41:14
